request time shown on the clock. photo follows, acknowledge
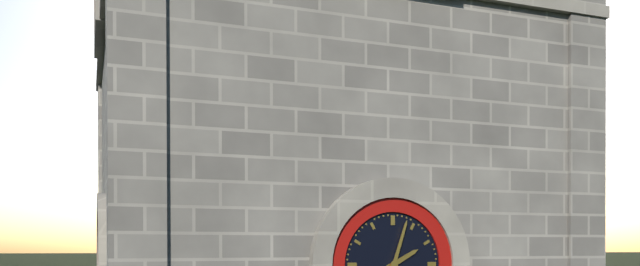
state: 2:03
